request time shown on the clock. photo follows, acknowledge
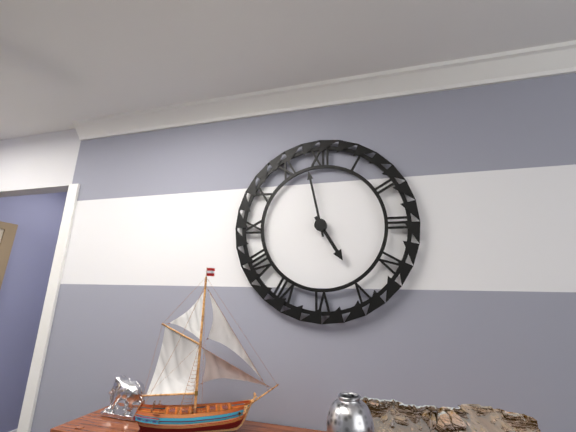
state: 4:58
